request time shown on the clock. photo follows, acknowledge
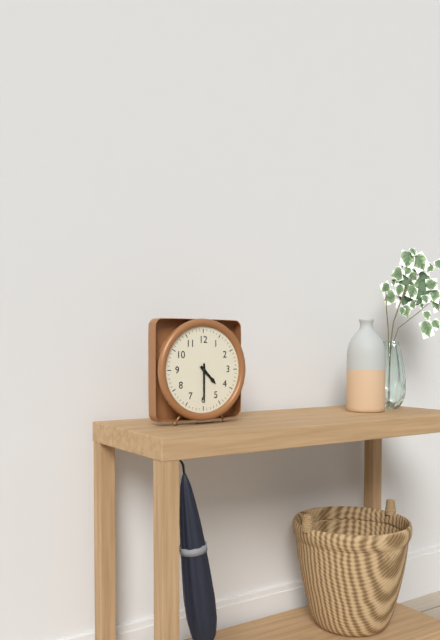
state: 4:30
